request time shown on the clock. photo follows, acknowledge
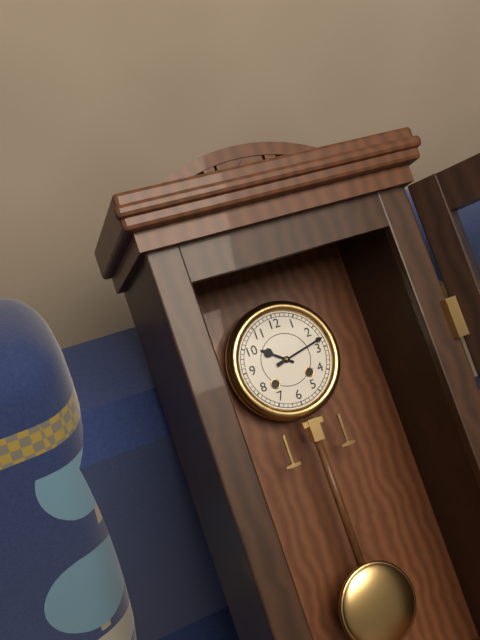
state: 10:13
